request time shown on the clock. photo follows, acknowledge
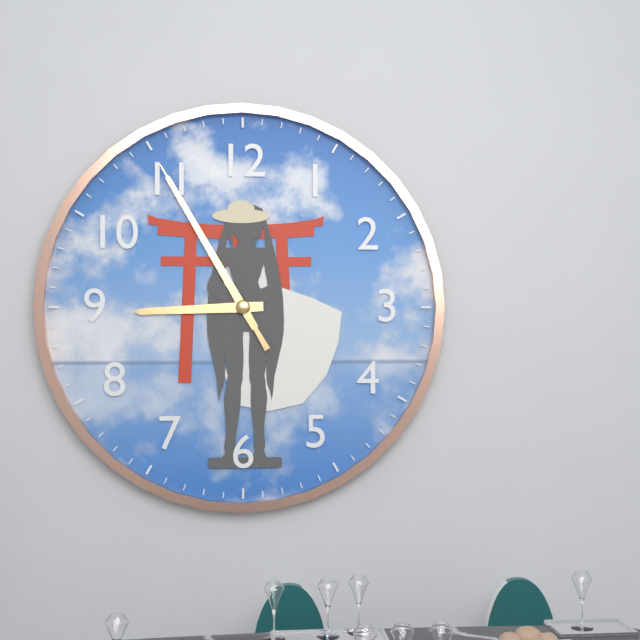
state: 8:55:55
